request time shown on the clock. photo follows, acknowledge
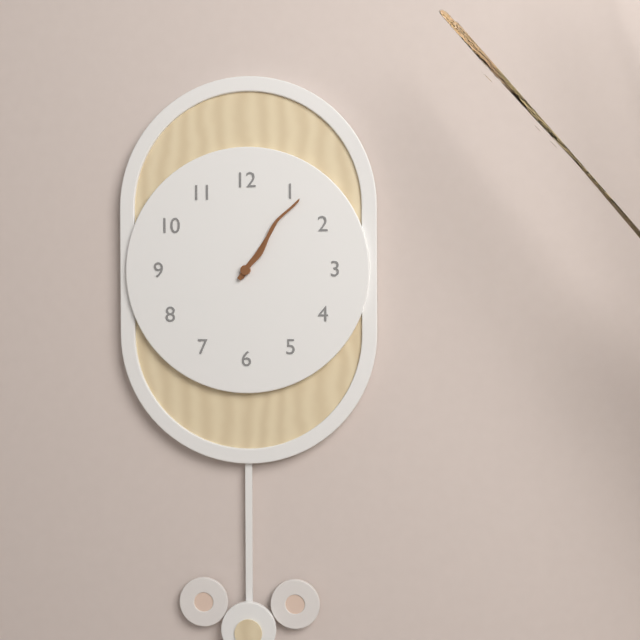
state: 1:06
